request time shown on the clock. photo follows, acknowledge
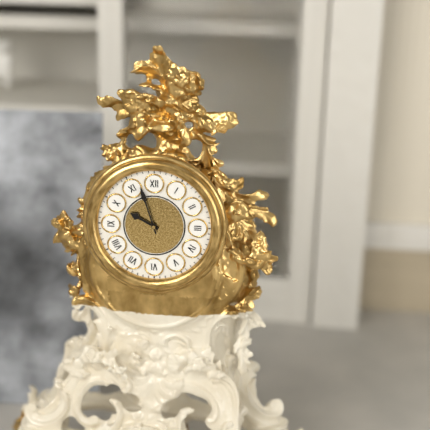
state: 9:57
